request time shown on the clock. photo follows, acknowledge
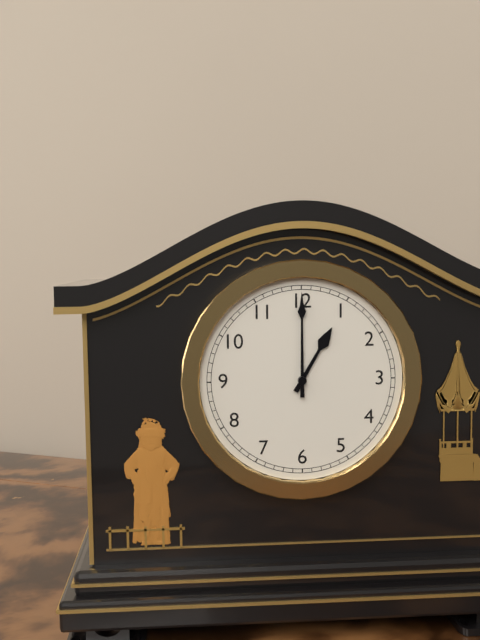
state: 1:00
